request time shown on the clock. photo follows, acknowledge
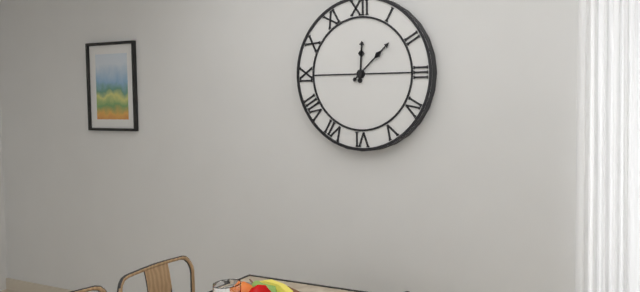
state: 12:08
